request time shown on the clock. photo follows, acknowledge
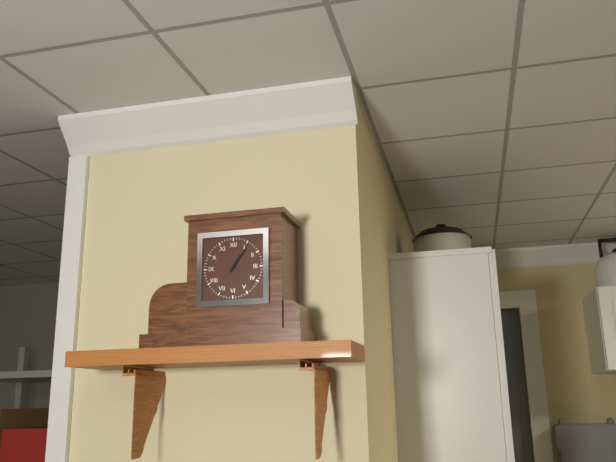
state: 1:06
